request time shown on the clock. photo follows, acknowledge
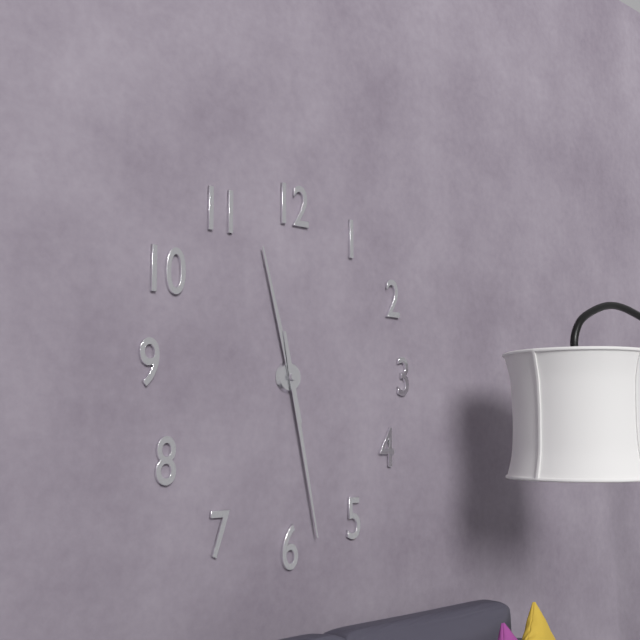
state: 11:28
